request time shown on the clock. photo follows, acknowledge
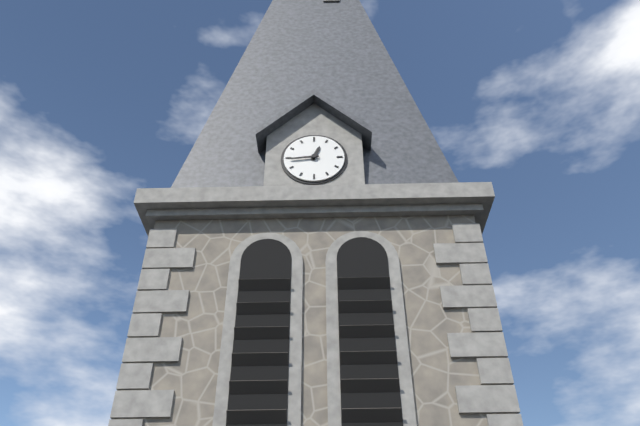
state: 12:44
